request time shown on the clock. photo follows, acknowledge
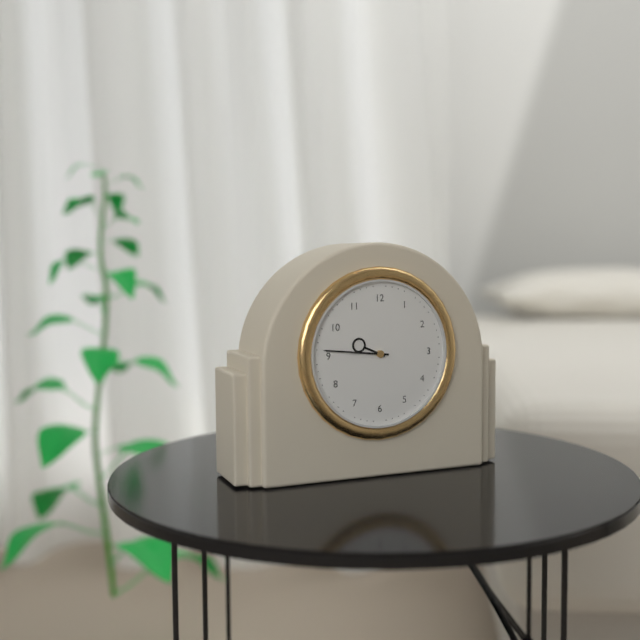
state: 9:46
